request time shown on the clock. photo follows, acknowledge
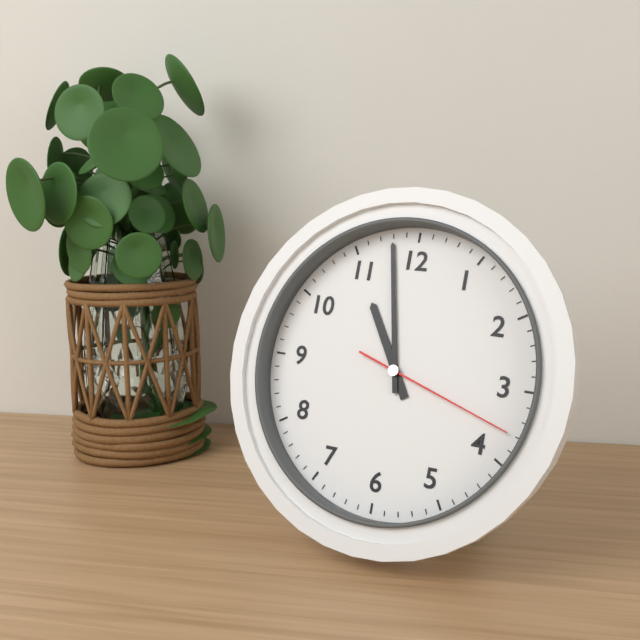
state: 10:58:18
